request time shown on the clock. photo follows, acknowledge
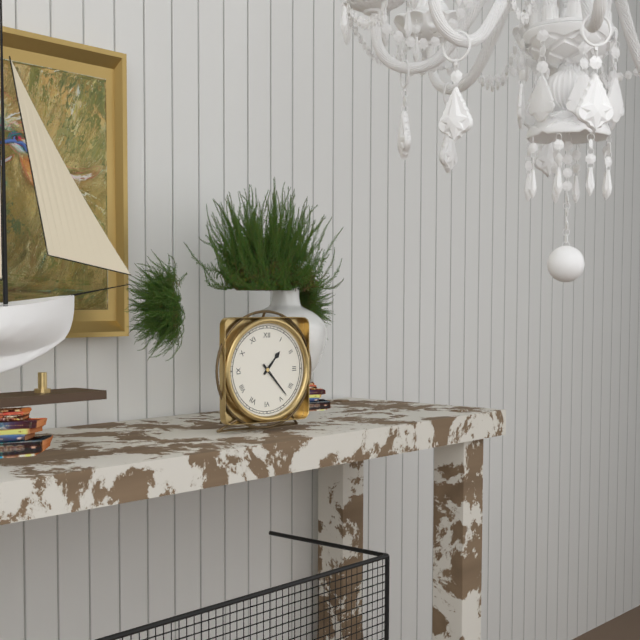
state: 1:23
